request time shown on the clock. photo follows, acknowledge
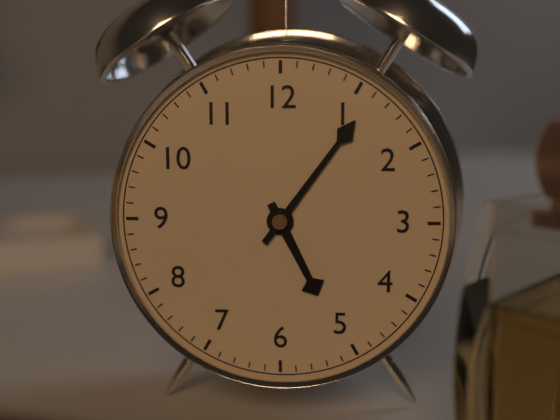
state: 5:06
